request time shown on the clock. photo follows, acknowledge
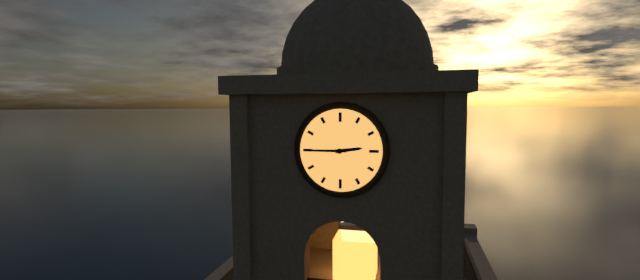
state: 2:45
